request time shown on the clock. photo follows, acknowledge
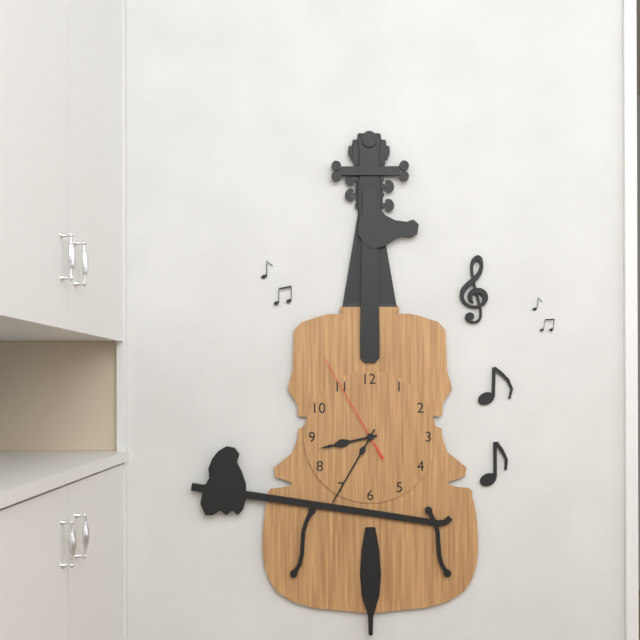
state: 8:35:55
